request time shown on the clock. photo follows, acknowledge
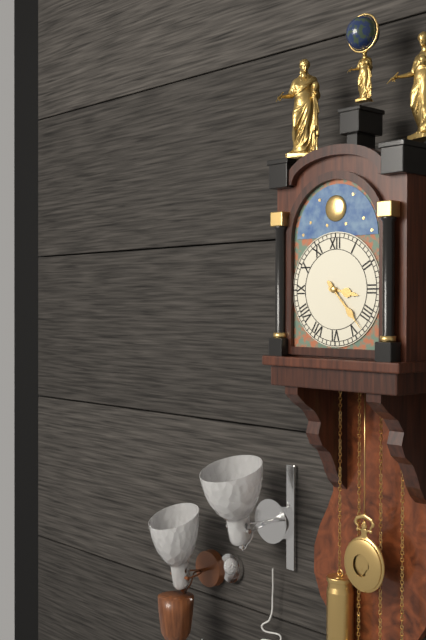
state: 3:23
